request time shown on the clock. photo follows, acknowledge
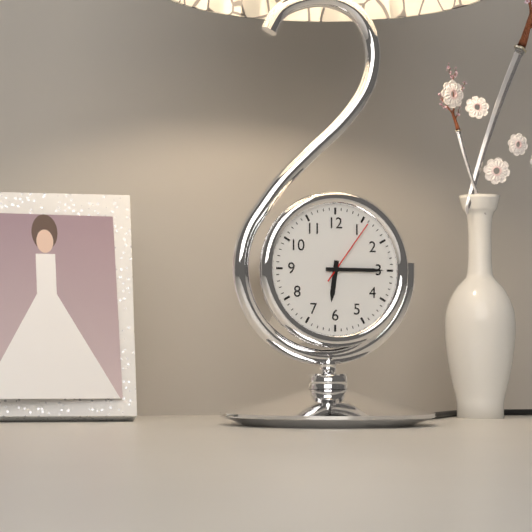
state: 6:15:06
